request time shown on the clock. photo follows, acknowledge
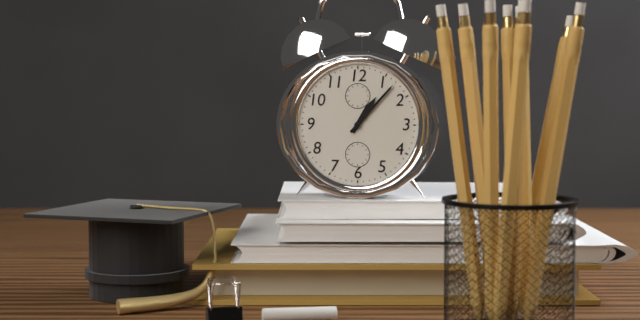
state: 1:07
